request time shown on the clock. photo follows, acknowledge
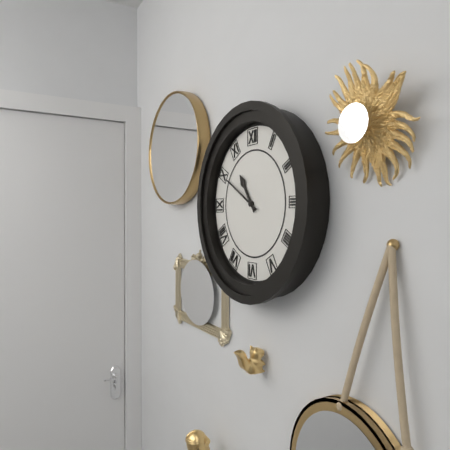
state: 10:50
